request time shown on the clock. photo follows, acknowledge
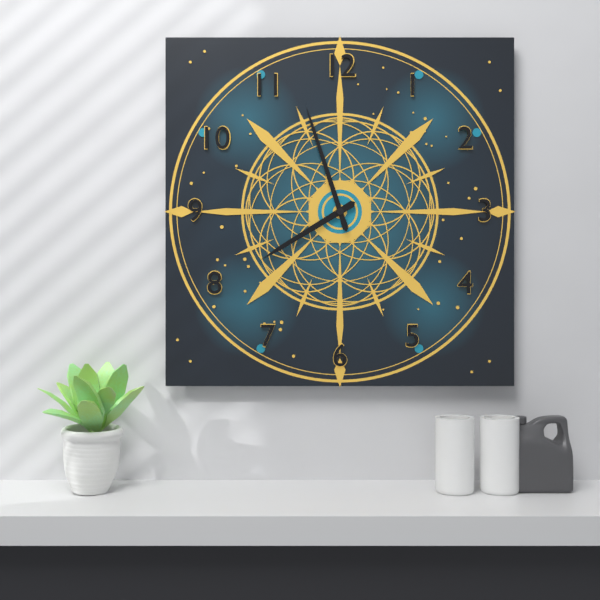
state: 7:57
